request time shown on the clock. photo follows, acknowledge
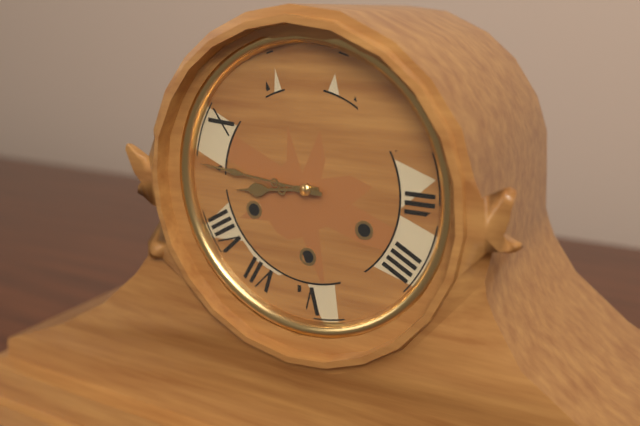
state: 8:46
